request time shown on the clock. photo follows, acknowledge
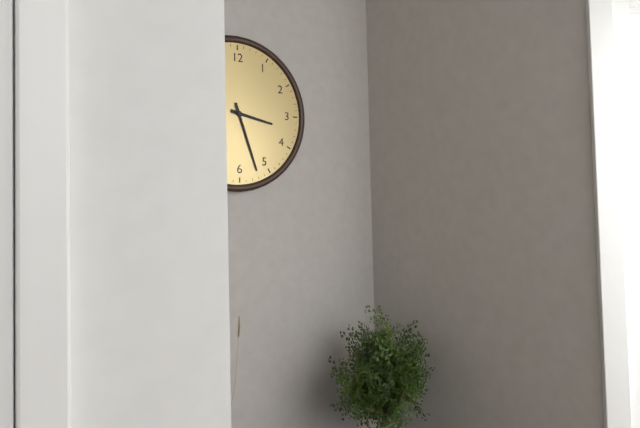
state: 3:27
